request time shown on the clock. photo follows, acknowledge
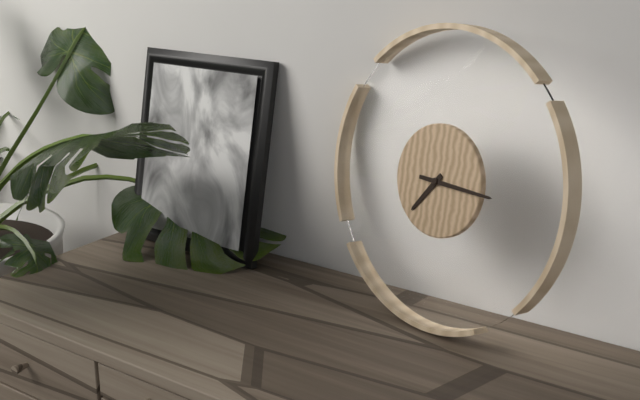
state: 7:15
